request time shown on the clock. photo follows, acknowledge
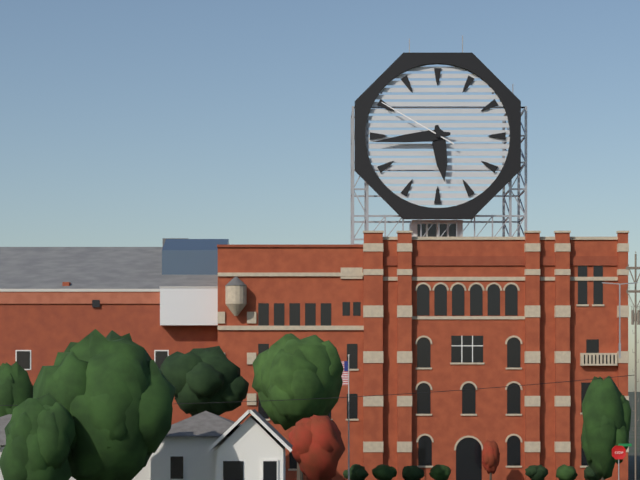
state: 5:44:50
